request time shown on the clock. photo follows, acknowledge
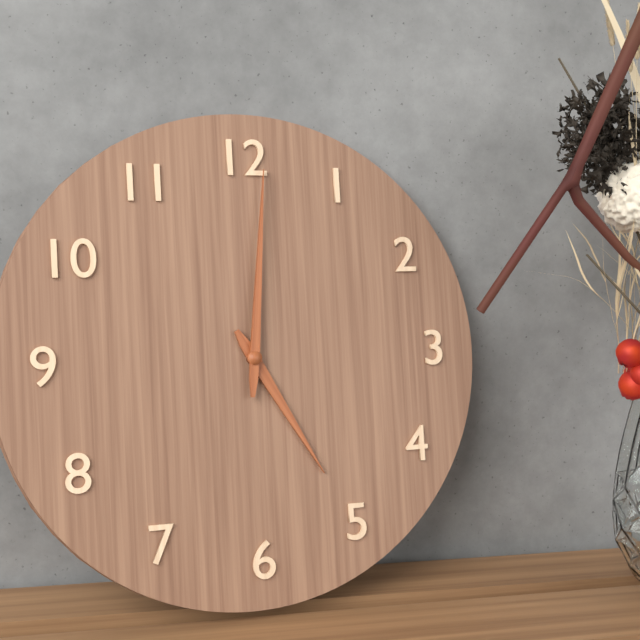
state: 5:01
